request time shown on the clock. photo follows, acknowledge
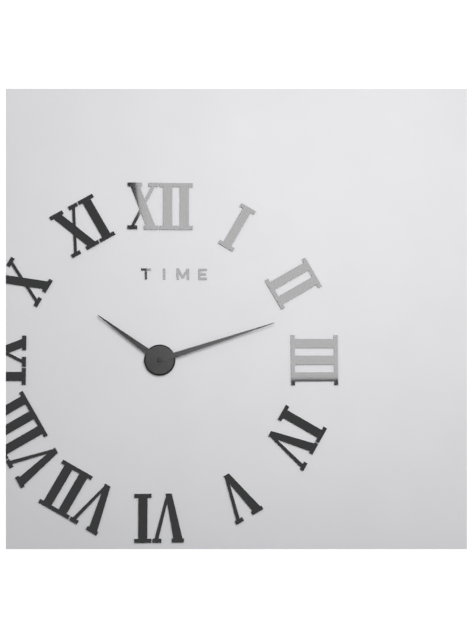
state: 10:12
